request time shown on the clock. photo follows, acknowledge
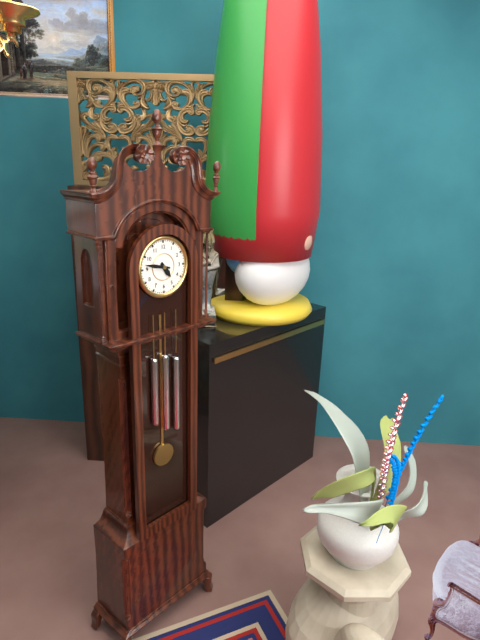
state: 4:47
